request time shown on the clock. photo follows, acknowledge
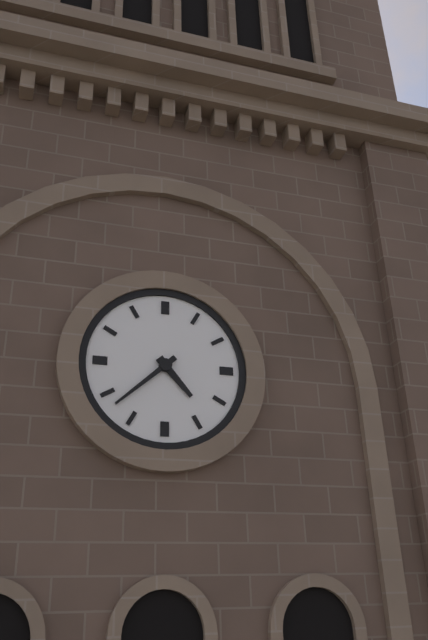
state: 4:38
